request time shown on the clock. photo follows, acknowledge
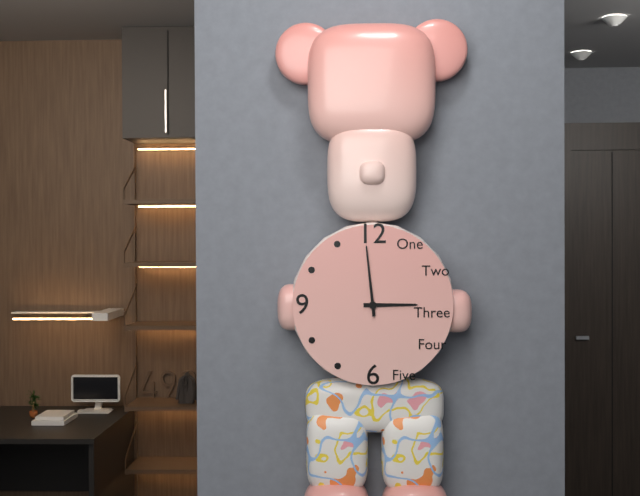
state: 2:59
